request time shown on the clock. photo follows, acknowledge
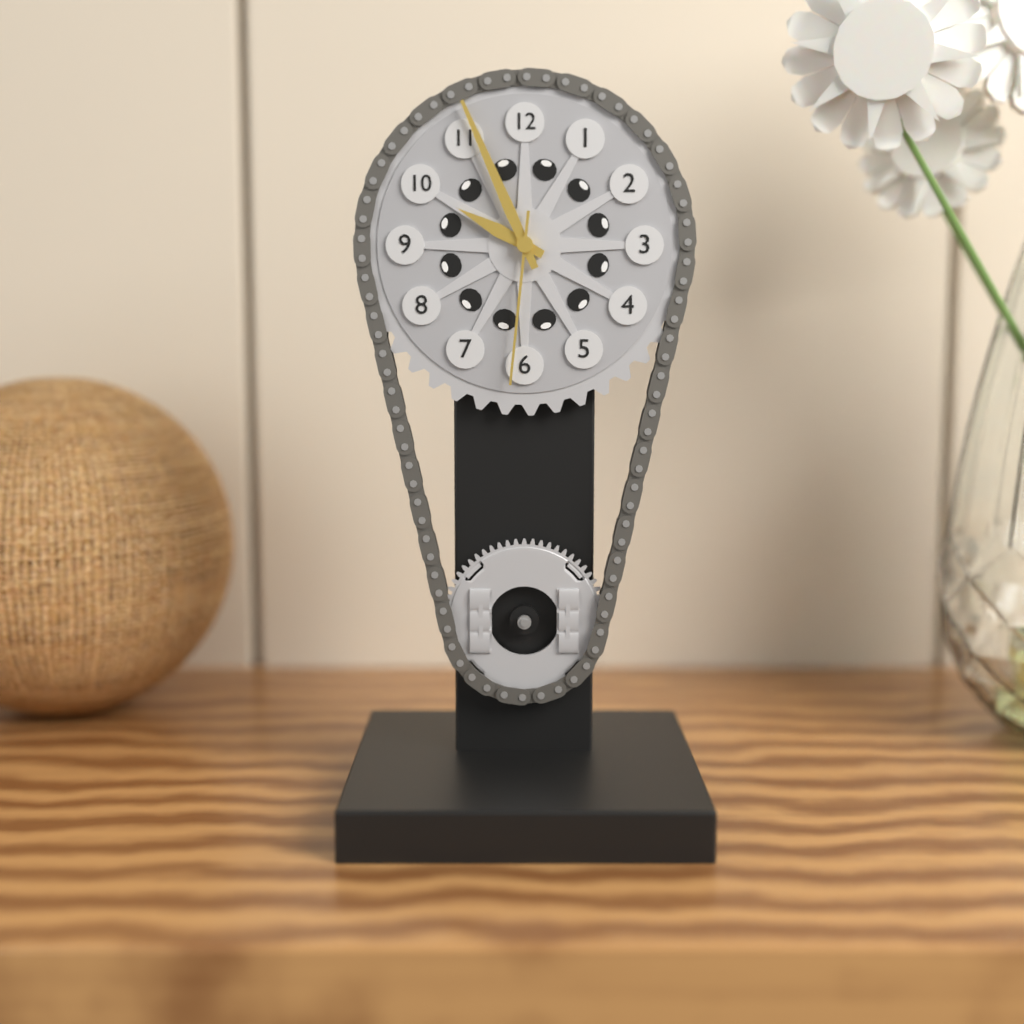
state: 9:56:31
